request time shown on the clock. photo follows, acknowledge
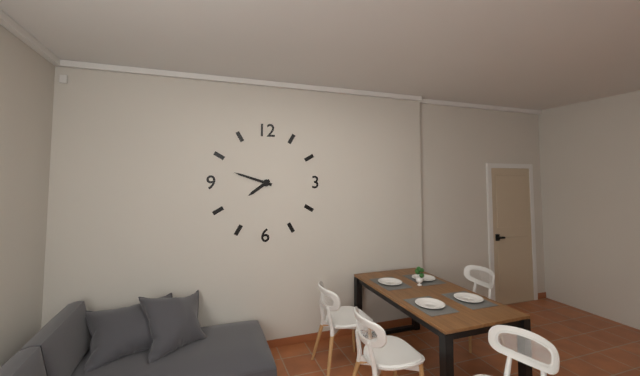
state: 7:48
